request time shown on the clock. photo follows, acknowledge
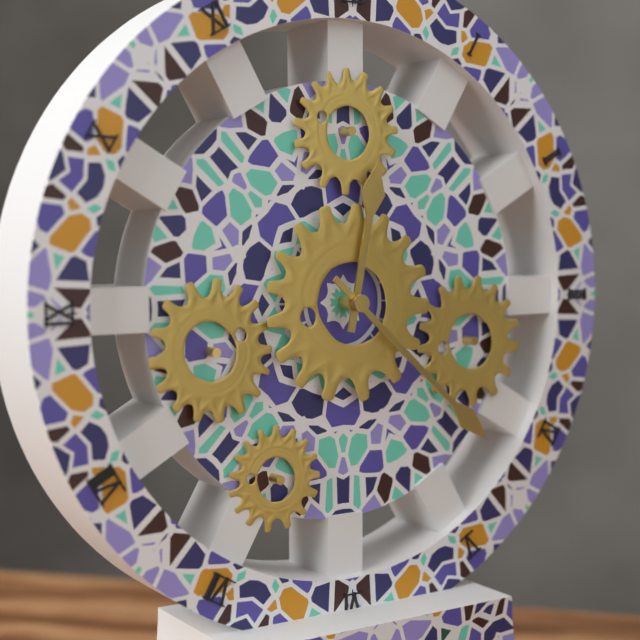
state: 12:22
